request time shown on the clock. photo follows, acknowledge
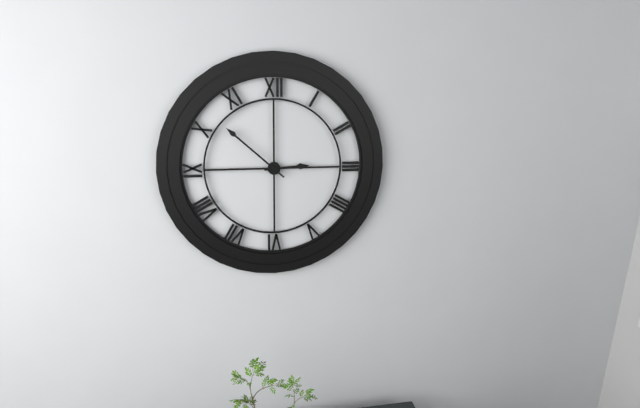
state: 2:52
